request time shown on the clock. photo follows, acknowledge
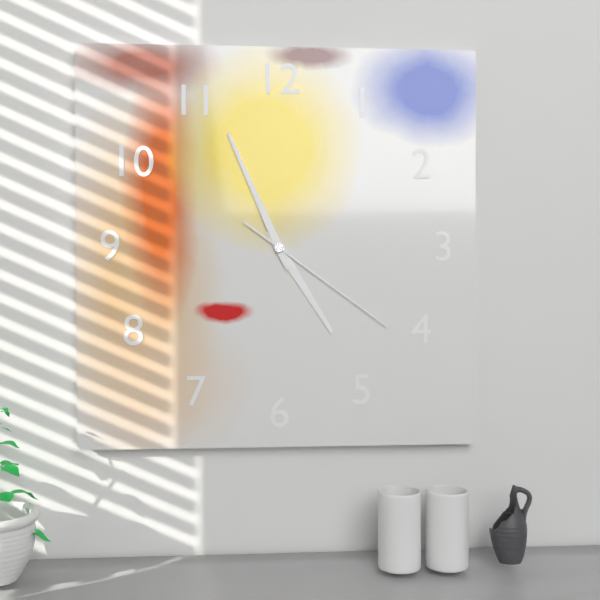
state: 4:56:21
